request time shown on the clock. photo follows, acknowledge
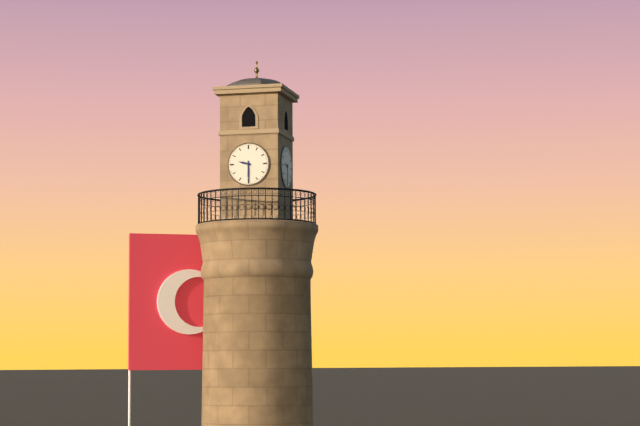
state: 9:30
